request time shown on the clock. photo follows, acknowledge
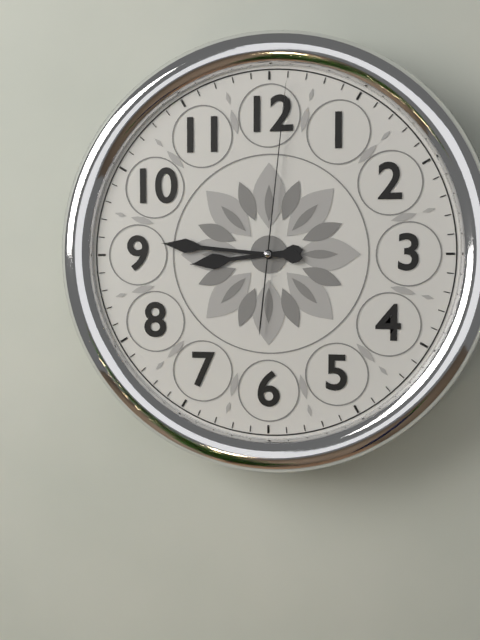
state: 8:46:01
